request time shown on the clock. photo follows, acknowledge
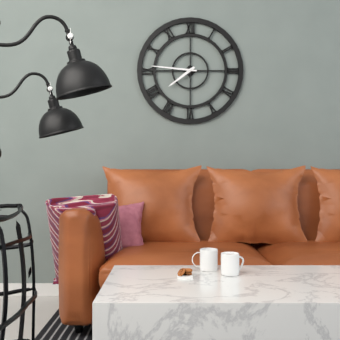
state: 7:46
